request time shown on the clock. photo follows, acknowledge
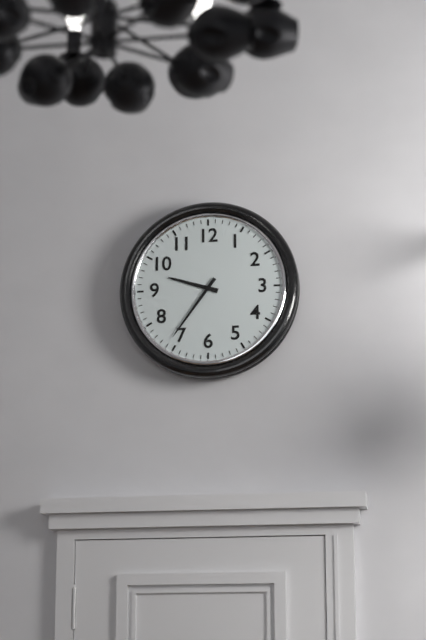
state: 9:36
